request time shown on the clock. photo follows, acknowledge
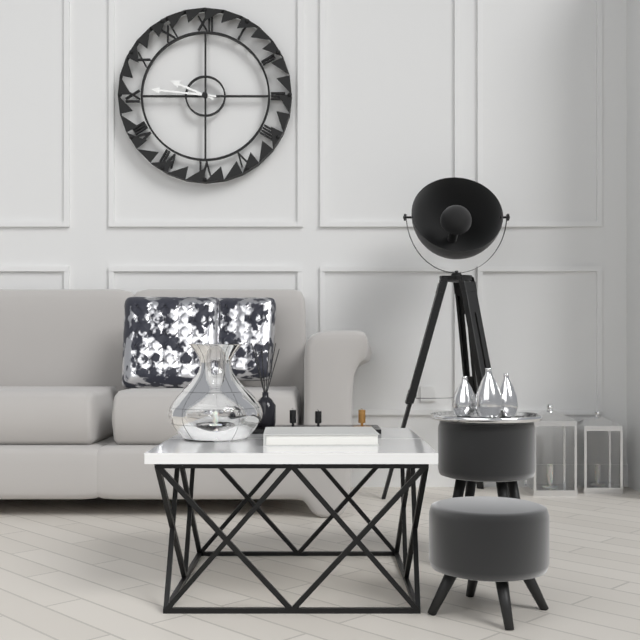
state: 9:46
